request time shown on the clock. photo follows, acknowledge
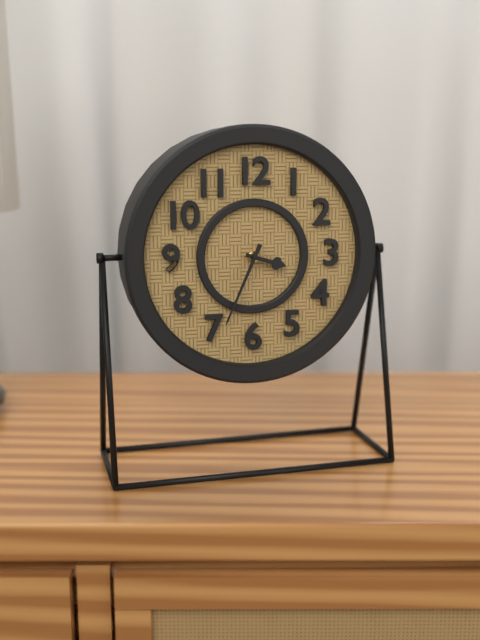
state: 3:34
